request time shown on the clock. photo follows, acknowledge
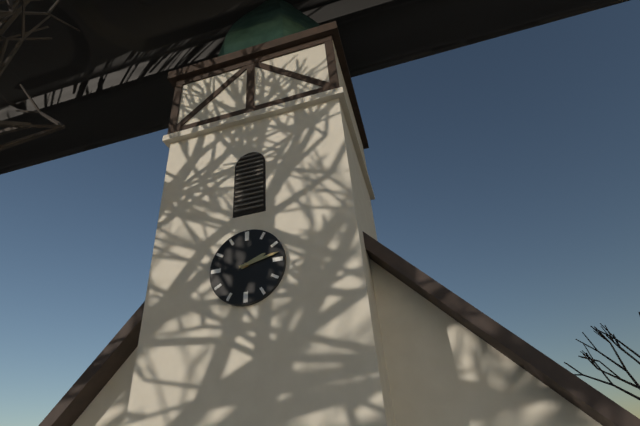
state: 2:13
